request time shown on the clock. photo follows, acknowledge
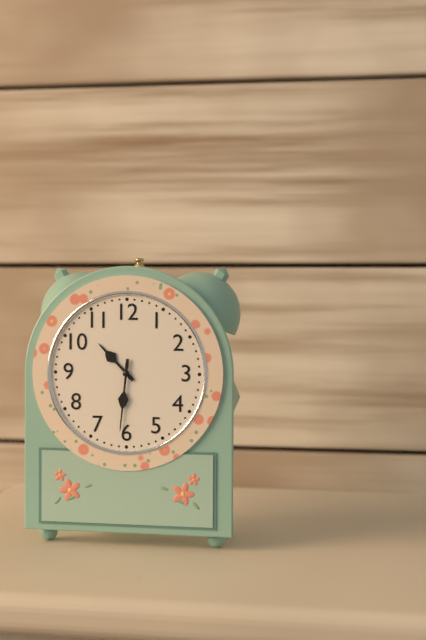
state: 10:31
